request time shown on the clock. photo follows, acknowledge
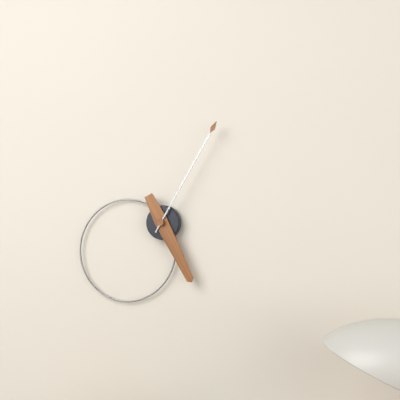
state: 5:05
